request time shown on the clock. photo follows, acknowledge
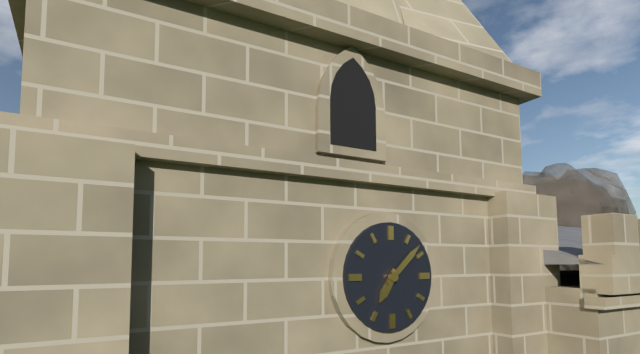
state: 7:08
